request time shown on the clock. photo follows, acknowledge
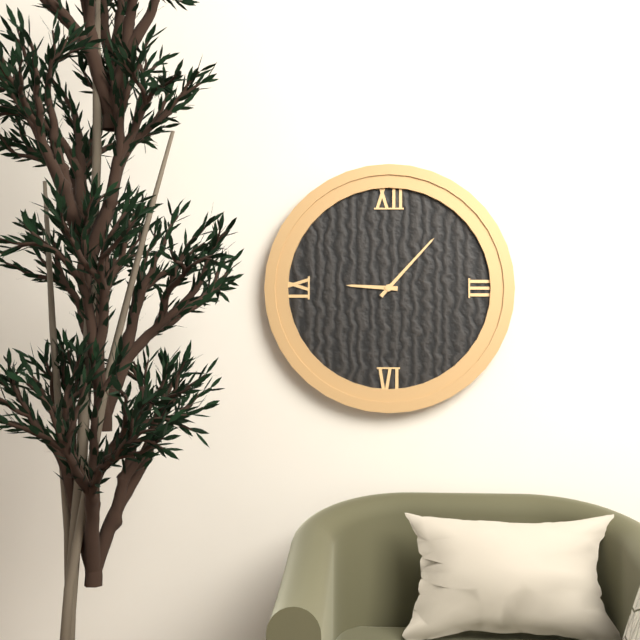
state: 9:07
